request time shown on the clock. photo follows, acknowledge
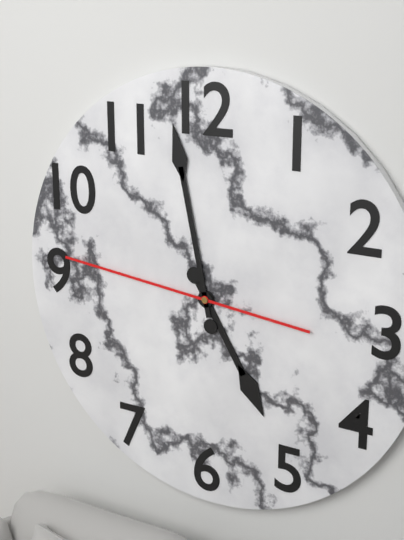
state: 4:58:46
